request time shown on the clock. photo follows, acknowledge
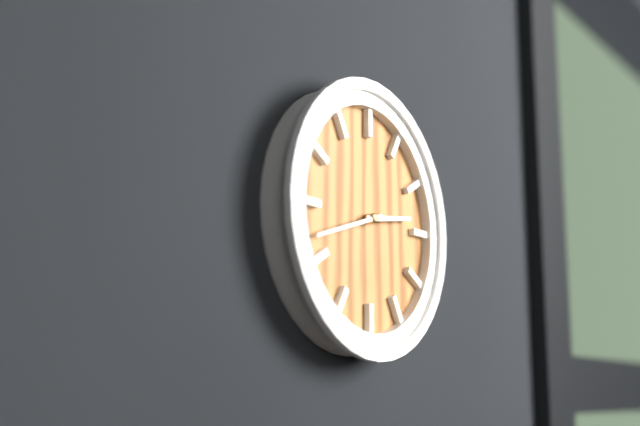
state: 2:42
